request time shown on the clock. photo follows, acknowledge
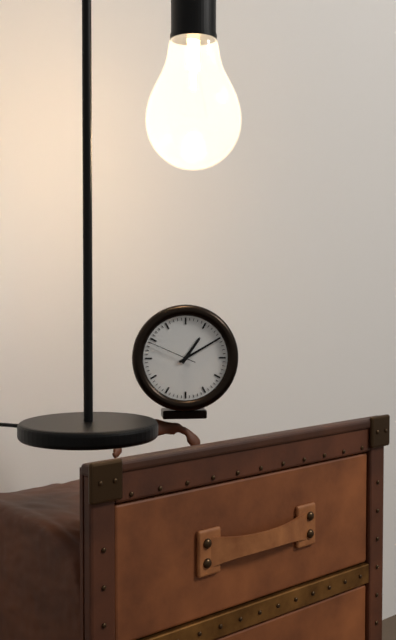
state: 1:10
